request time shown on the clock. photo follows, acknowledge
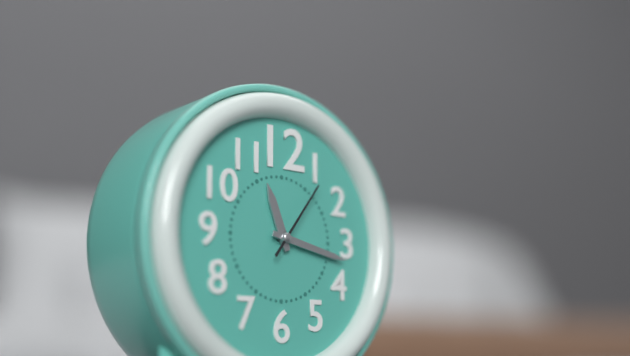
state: 11:17:06
